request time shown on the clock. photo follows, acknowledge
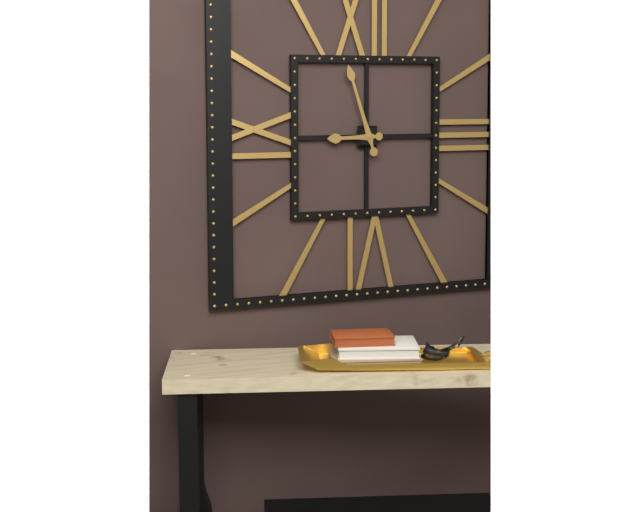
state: 8:57
